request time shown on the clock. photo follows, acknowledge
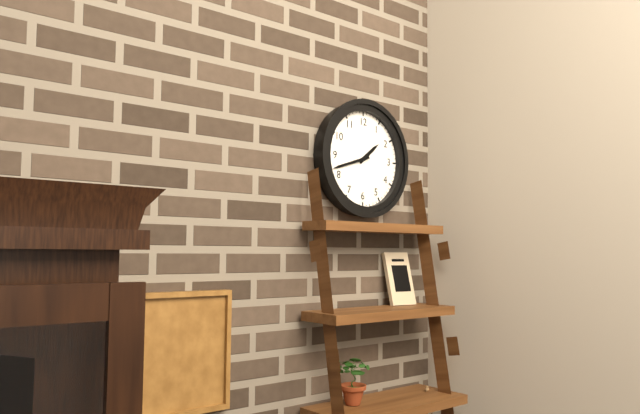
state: 1:42
